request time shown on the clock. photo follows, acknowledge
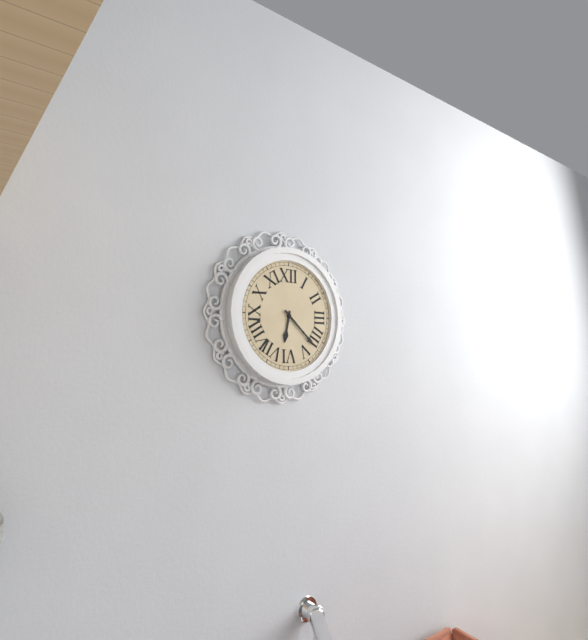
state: 6:22
